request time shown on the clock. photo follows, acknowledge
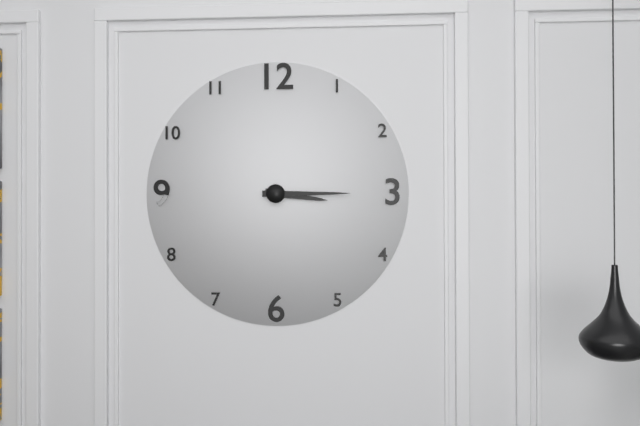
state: 3:15
